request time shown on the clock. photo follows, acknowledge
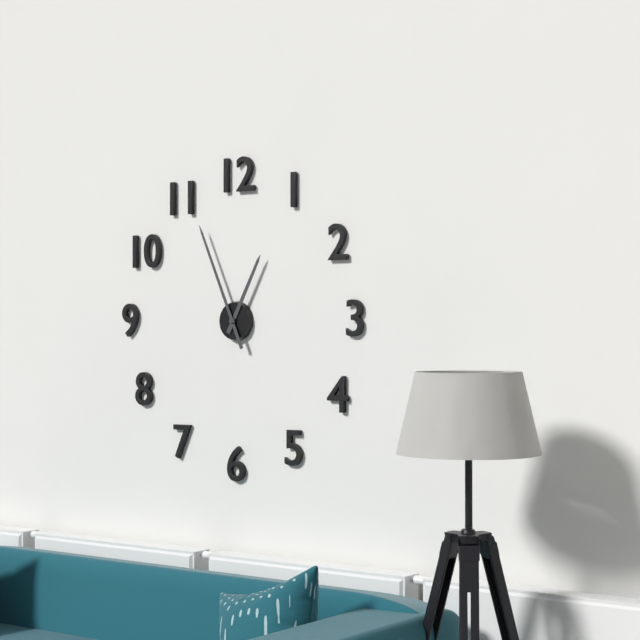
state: 12:56
